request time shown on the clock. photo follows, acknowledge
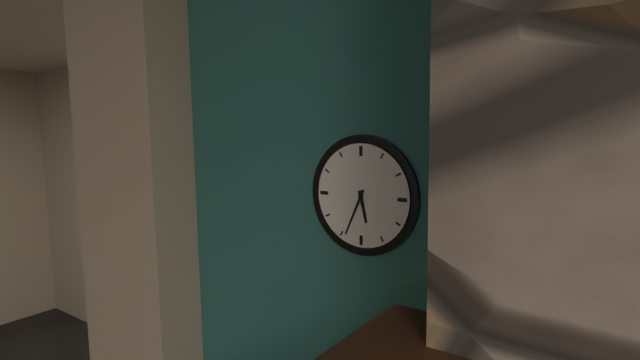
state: 5:34
